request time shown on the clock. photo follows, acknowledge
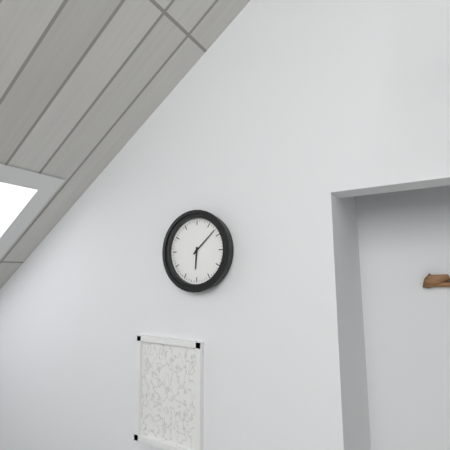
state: 6:08
